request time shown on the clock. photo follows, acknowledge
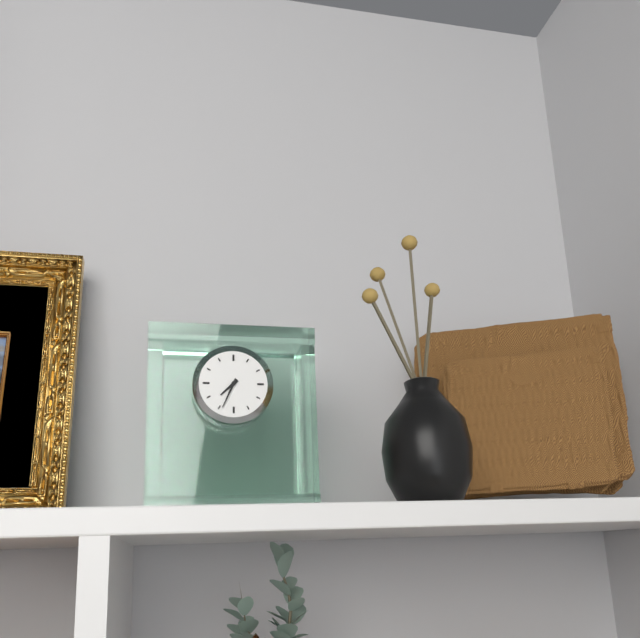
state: 7:34
